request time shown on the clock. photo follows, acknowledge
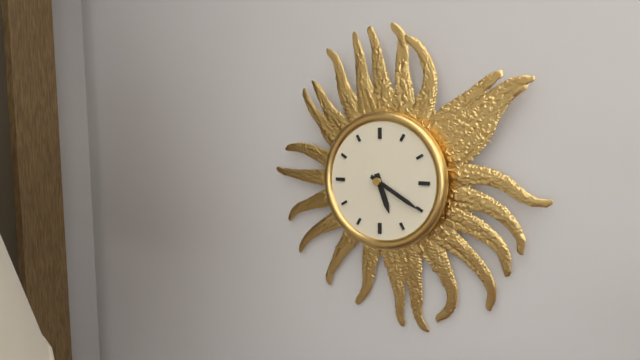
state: 5:20
